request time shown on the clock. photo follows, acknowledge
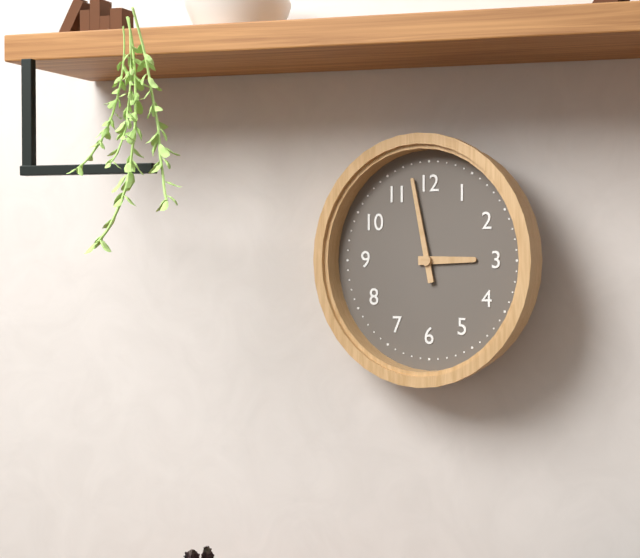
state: 2:58
